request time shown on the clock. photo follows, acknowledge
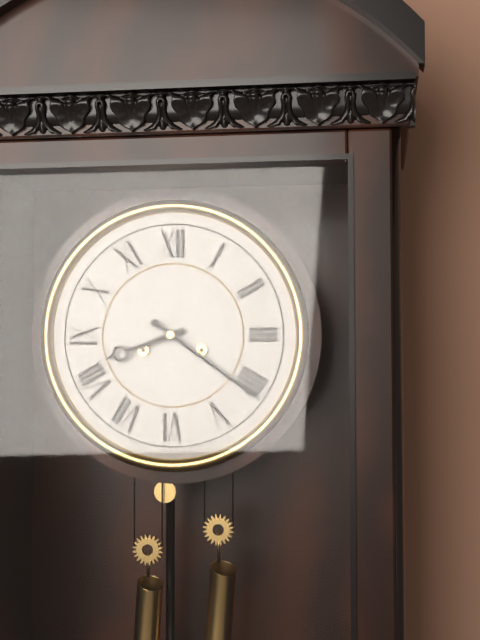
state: 8:21
